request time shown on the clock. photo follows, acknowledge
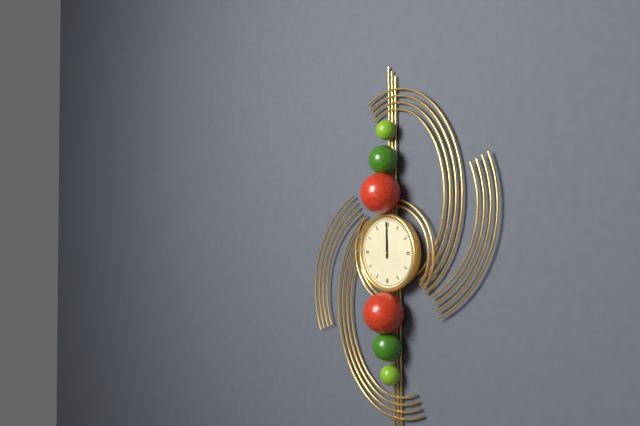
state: 12:00
